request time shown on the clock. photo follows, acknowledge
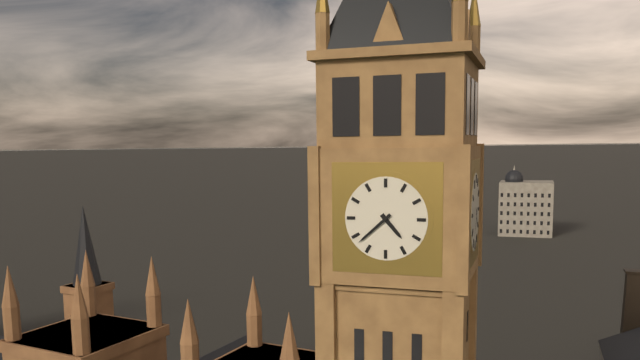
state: 4:38
